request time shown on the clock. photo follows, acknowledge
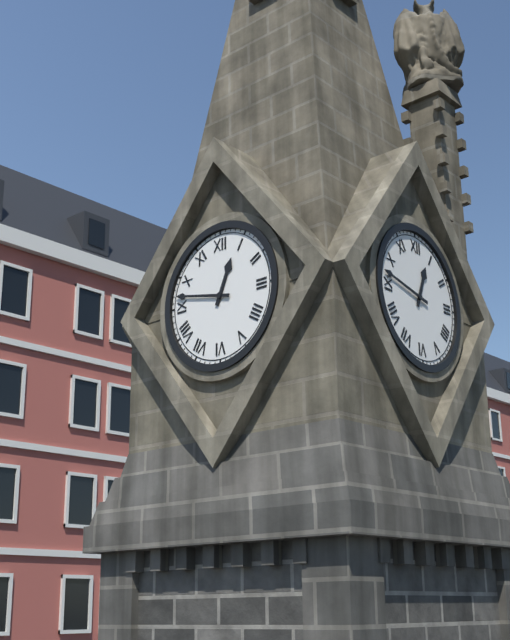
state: 12:47
